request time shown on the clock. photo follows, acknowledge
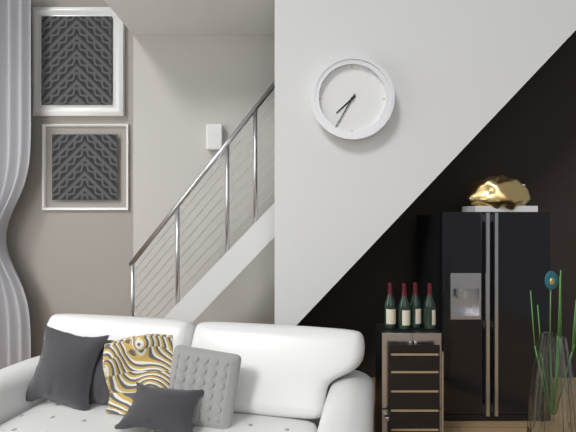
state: 7:35
